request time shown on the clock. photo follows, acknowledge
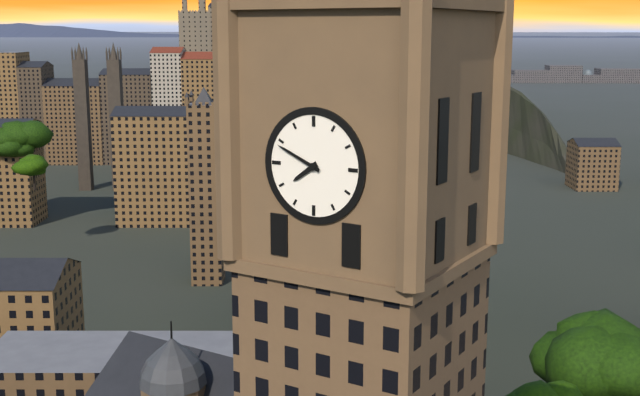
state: 7:49
